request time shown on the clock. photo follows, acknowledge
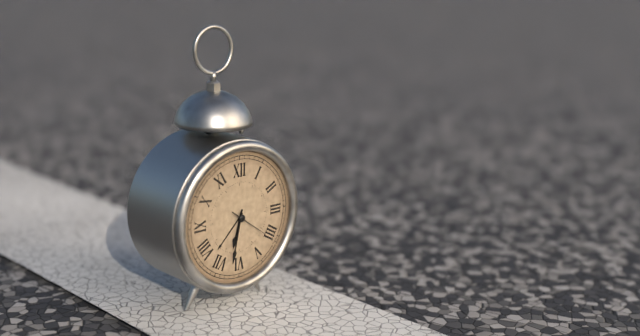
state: 6:32
